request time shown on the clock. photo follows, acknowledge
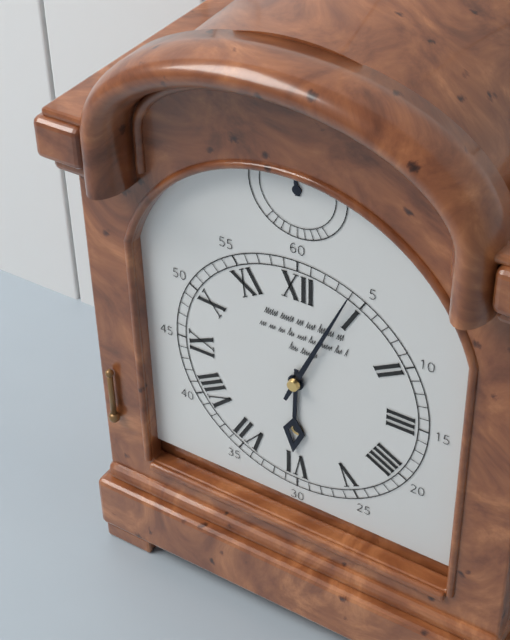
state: 6:04
